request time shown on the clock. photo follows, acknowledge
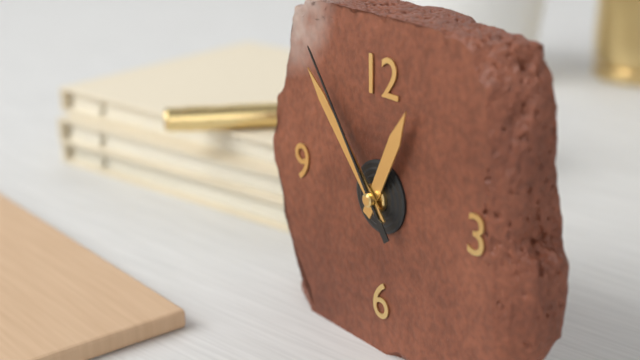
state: 12:53:54
